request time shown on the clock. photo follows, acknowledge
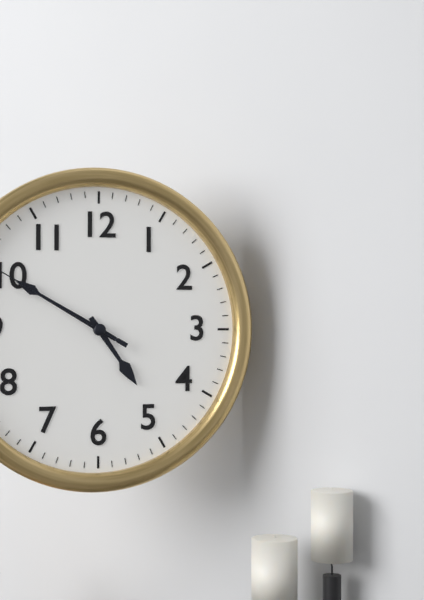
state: 4:50:50
